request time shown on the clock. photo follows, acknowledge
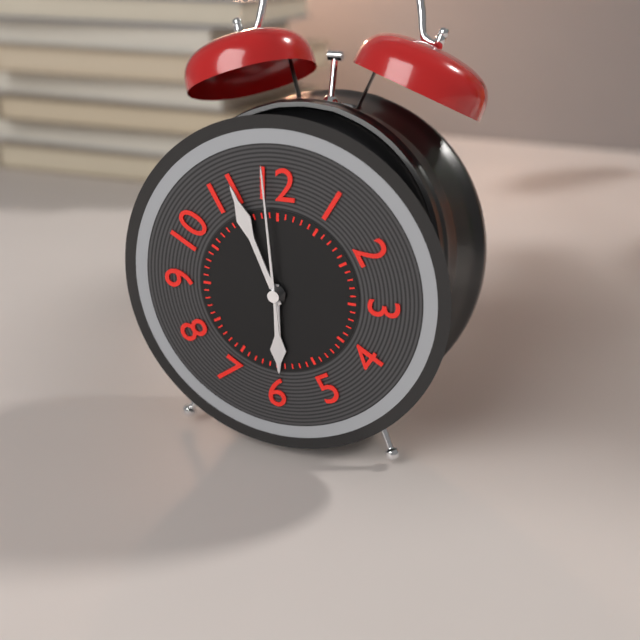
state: 5:56:59
